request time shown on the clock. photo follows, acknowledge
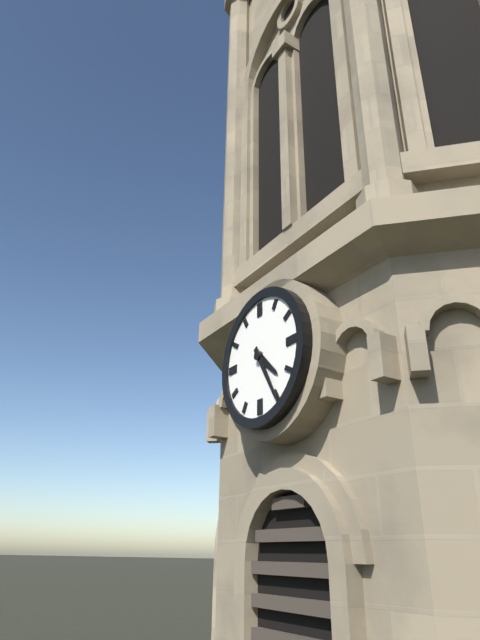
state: 4:25
